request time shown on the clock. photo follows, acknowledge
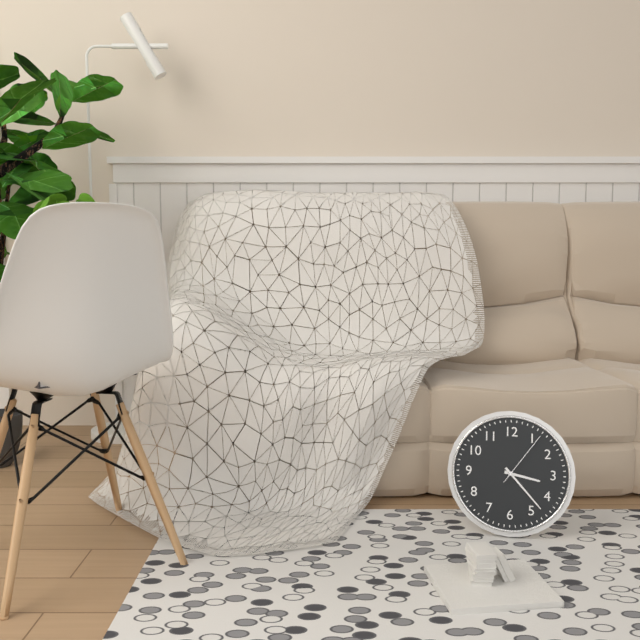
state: 3:23:06
